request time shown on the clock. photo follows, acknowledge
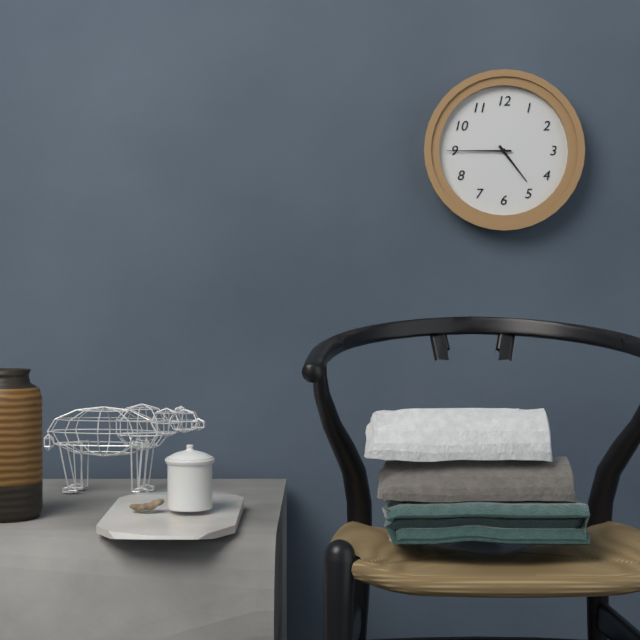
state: 4:45
